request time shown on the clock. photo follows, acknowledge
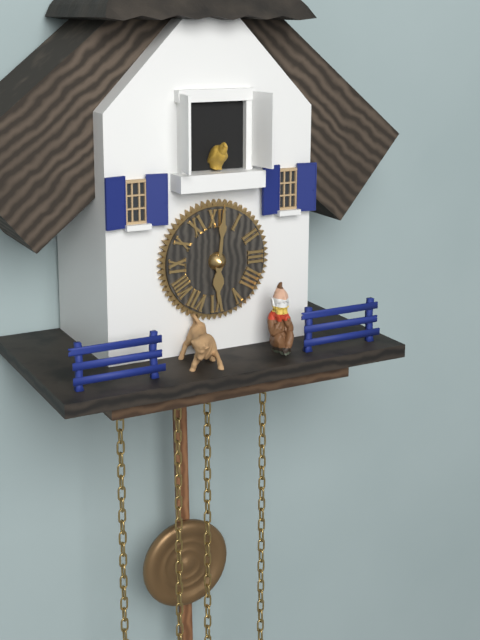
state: 6:01
